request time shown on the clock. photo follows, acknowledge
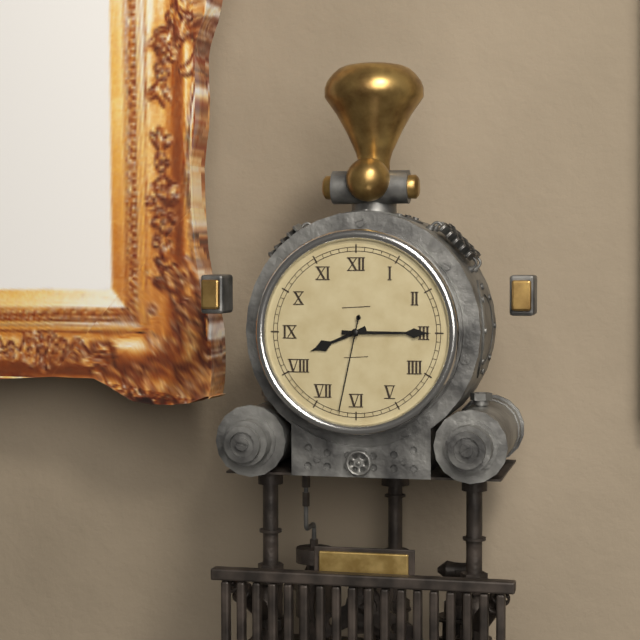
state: 8:15:32
